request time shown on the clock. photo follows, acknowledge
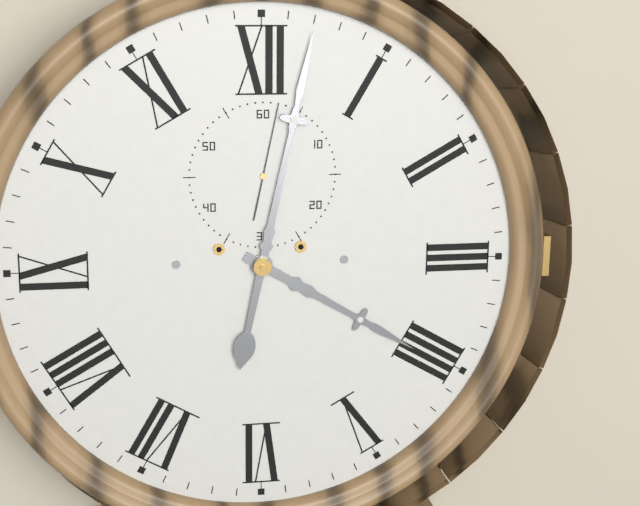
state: 4:02:02
